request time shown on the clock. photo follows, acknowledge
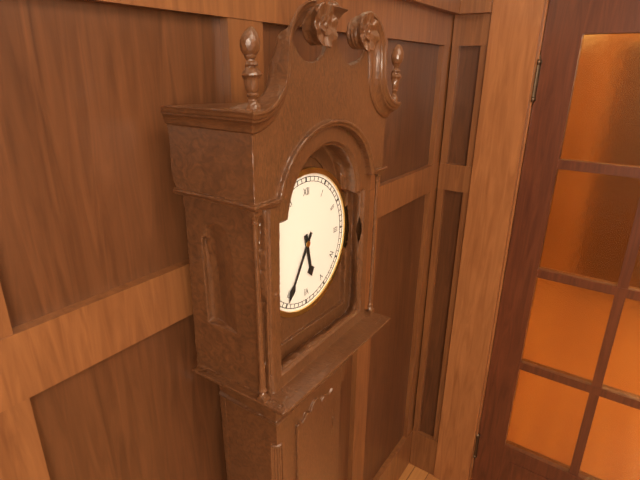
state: 5:35
